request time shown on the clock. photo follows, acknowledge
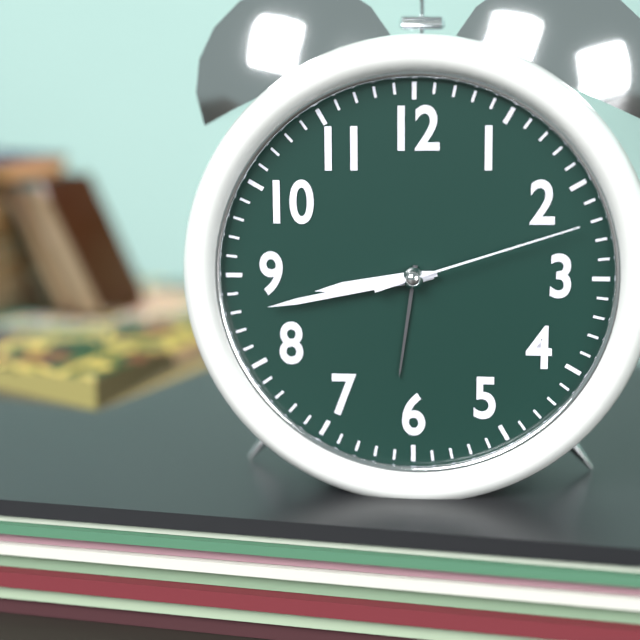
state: 8:43:12
